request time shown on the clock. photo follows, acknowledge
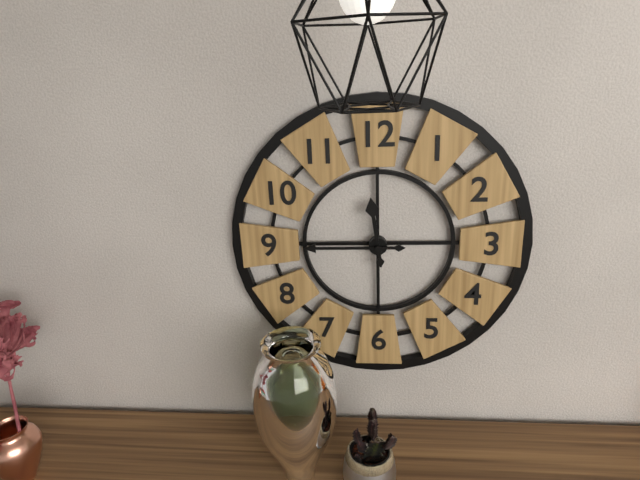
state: 11:45
